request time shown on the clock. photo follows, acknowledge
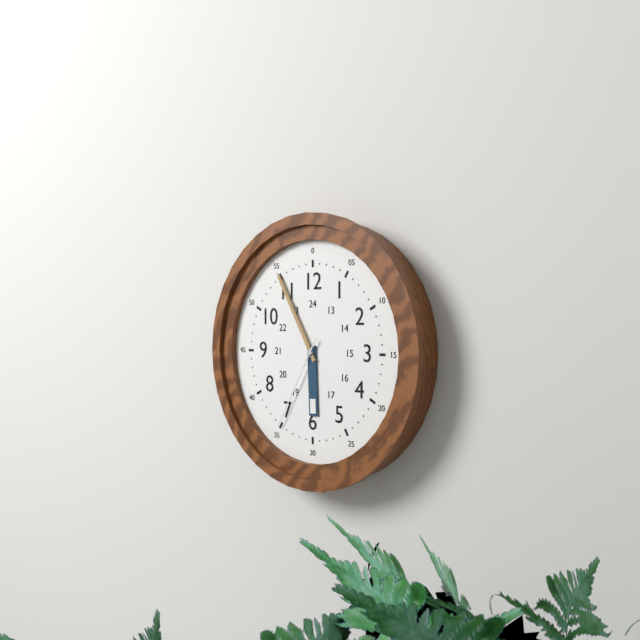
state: 5:55:35
